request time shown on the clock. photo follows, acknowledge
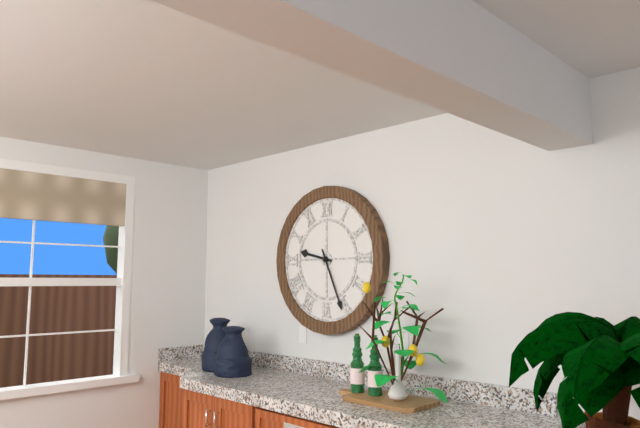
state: 9:26
